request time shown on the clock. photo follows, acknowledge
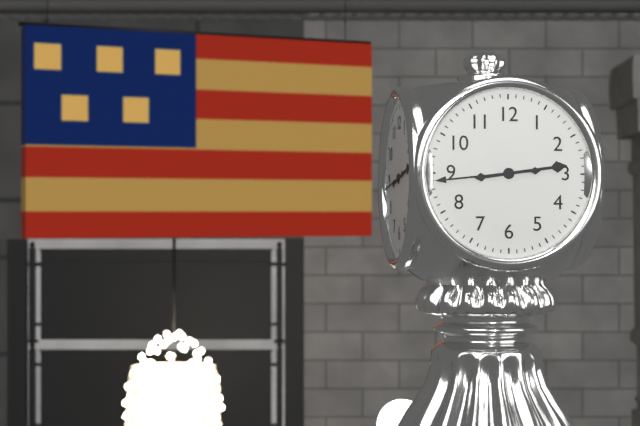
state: 2:44
